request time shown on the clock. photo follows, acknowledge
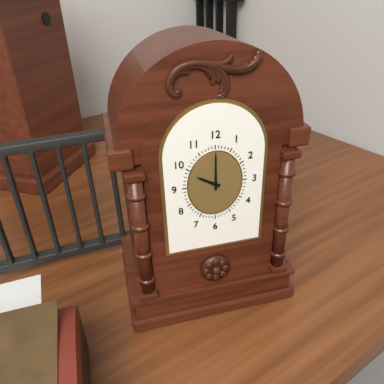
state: 10:00
